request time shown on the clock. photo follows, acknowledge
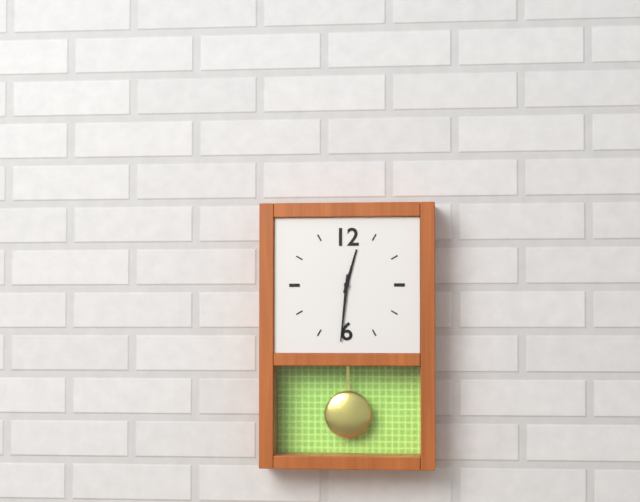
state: 12:31
